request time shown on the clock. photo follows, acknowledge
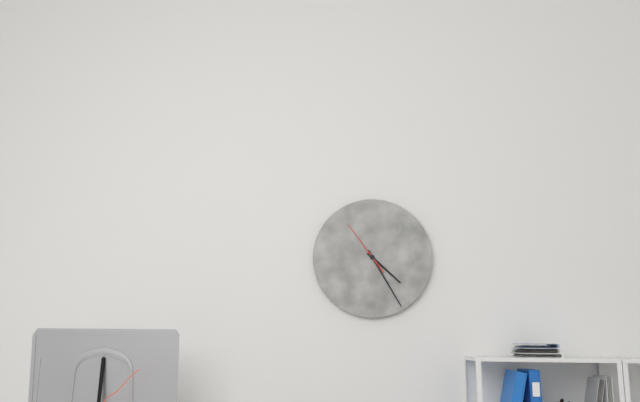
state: 4:25:54
